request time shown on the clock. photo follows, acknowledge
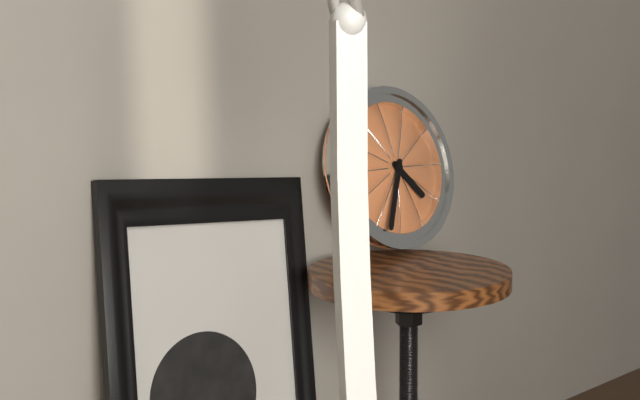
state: 4:34
